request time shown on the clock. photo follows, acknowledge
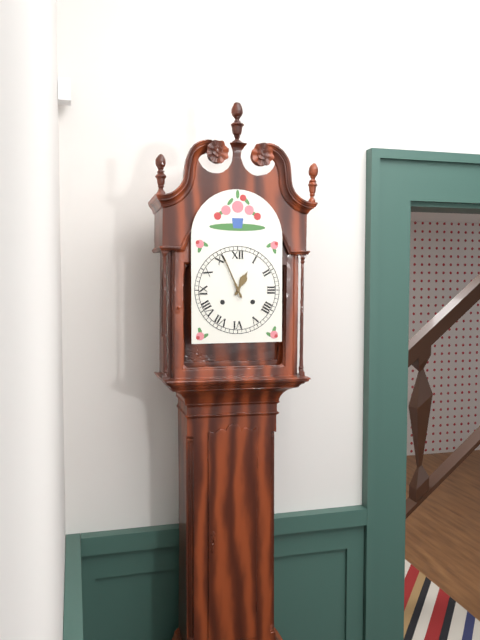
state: 12:56
